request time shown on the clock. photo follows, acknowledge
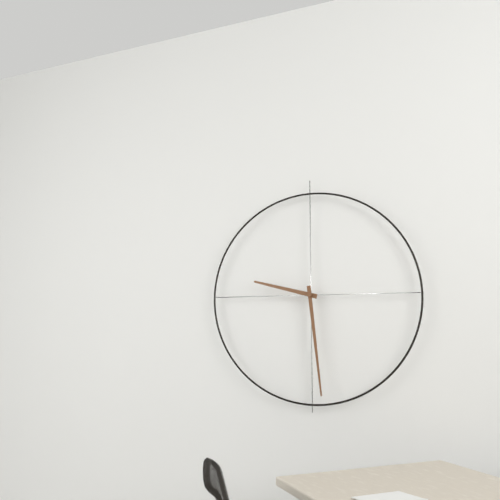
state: 9:29
